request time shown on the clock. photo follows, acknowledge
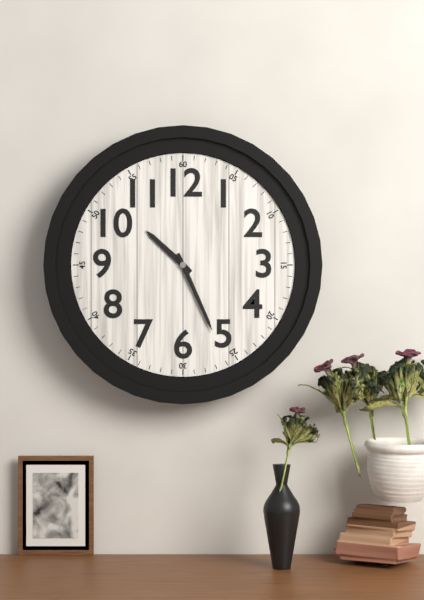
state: 10:26
